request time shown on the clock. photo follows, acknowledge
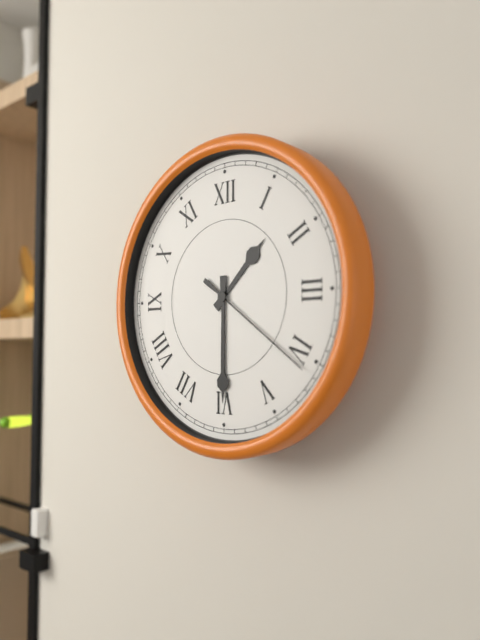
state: 1:30:21
